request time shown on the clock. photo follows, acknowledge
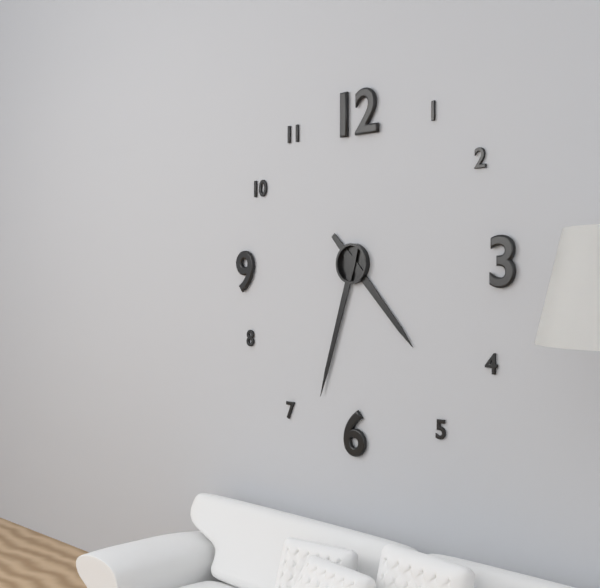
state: 4:33
